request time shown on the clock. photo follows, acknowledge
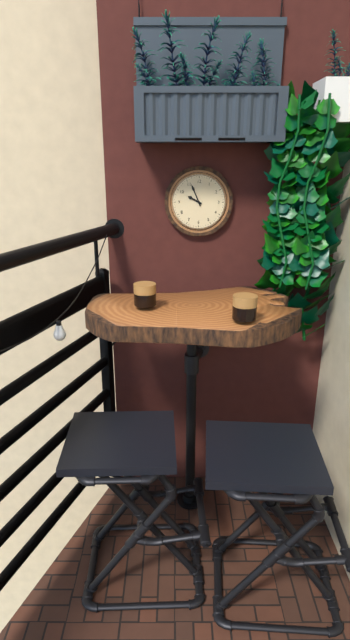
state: 9:56
